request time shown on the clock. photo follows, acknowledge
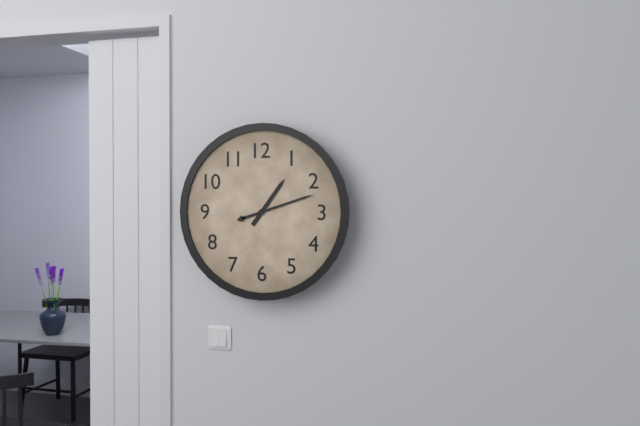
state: 1:12
